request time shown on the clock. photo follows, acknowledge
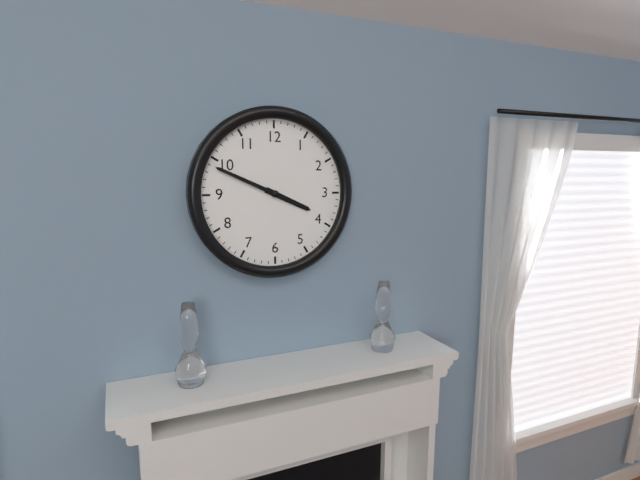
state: 3:49
